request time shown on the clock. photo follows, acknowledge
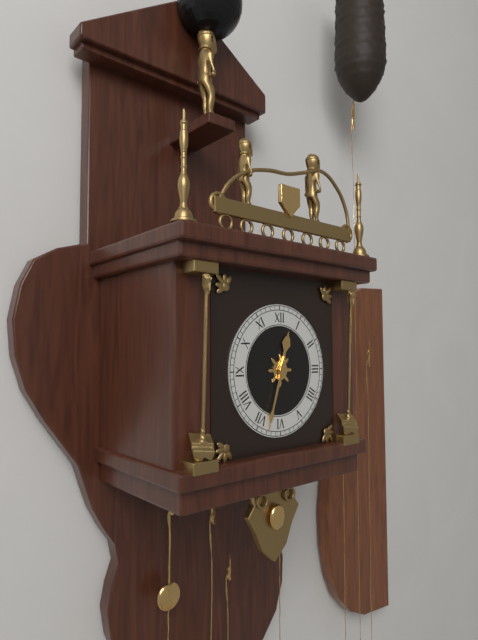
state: 12:33
